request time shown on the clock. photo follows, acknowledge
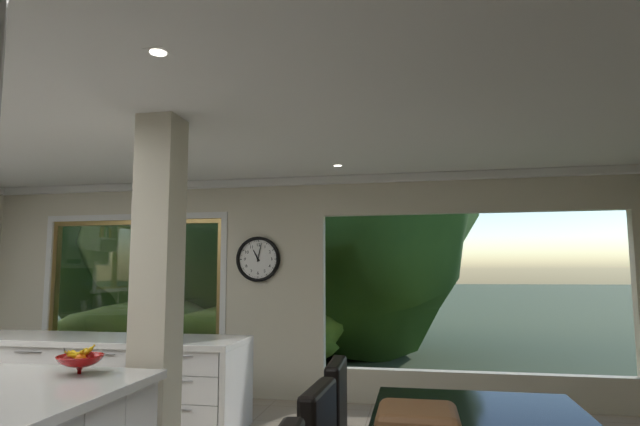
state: 11:02
